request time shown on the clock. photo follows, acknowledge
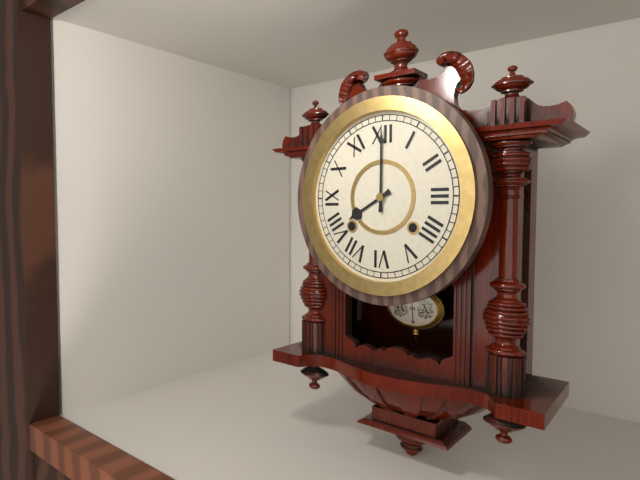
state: 8:00
